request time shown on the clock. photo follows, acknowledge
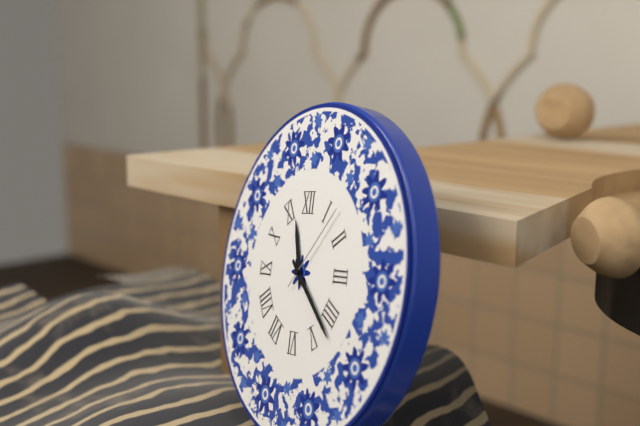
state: 11:22:07
